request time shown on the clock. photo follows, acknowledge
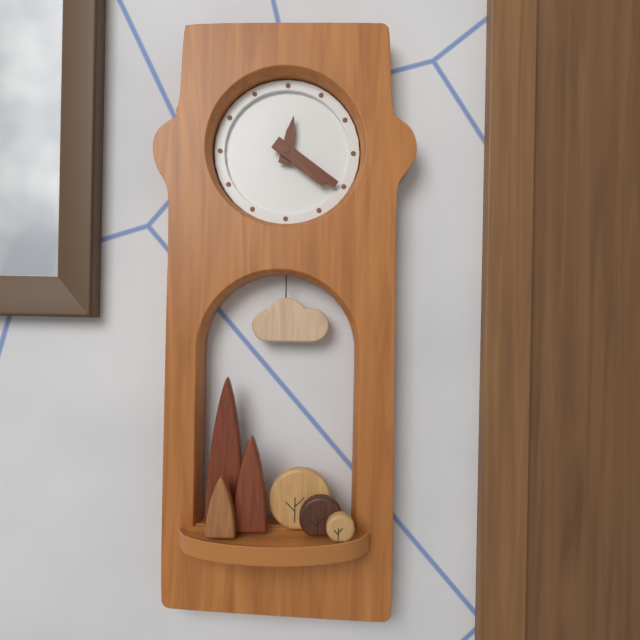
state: 12:21
